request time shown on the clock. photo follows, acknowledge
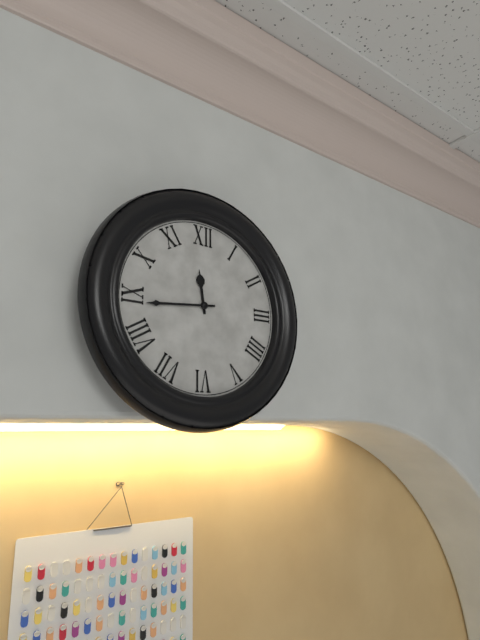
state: 11:44
